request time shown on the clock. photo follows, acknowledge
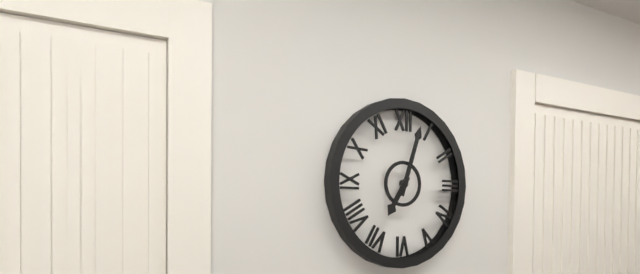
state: 7:03
